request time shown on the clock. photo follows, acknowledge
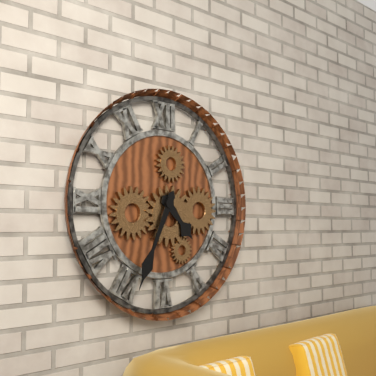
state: 4:34
